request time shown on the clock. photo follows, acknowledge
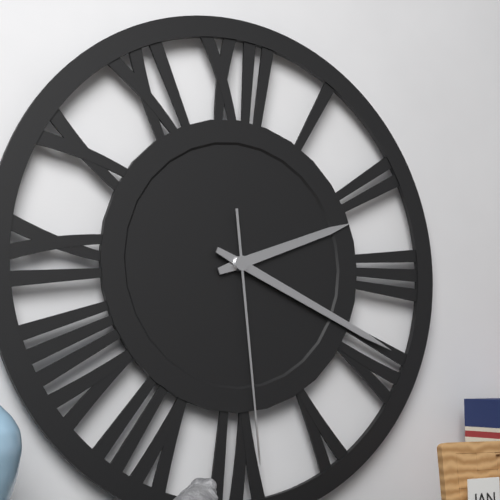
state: 2:19:29
